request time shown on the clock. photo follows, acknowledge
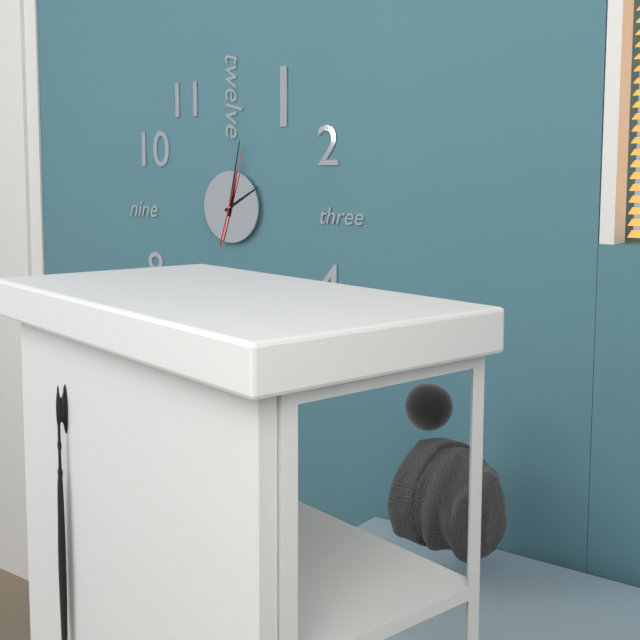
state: 2:02:03
